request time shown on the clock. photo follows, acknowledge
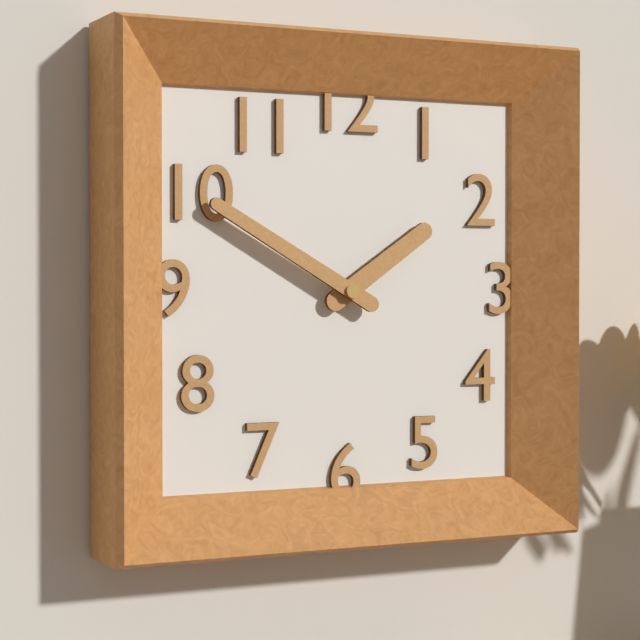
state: 1:50
